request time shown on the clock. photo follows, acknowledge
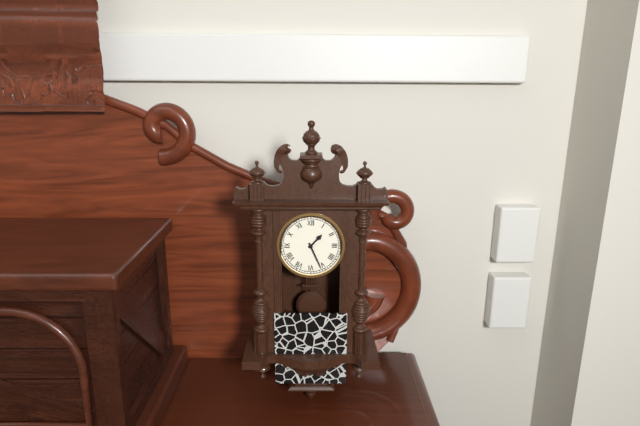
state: 1:26
